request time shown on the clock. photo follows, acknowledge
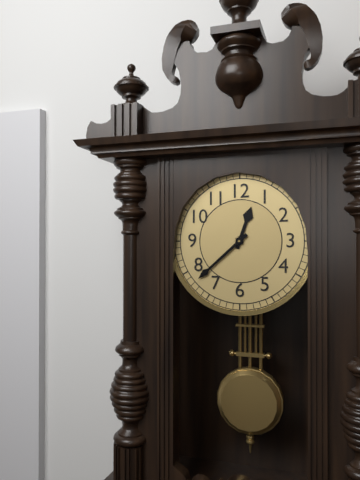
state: 12:38
